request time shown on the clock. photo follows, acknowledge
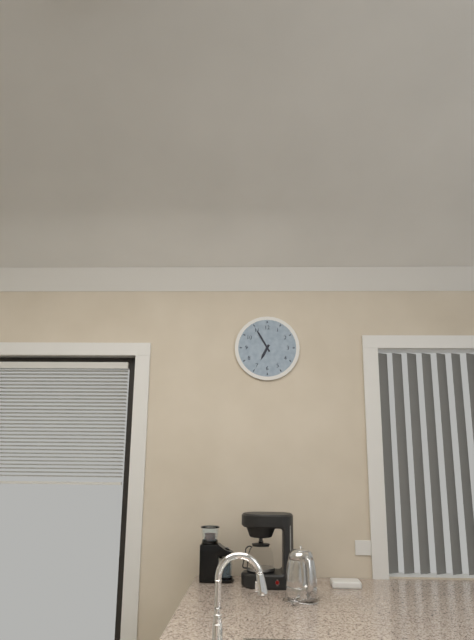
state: 6:55
